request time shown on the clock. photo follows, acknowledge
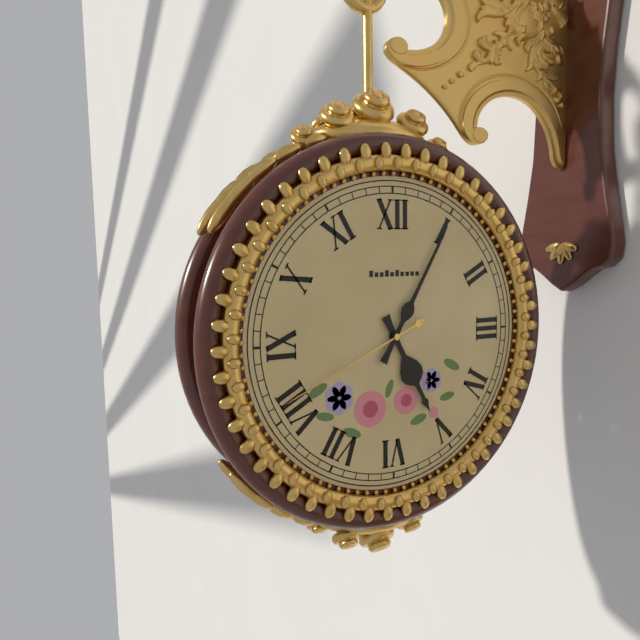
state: 5:05:41
